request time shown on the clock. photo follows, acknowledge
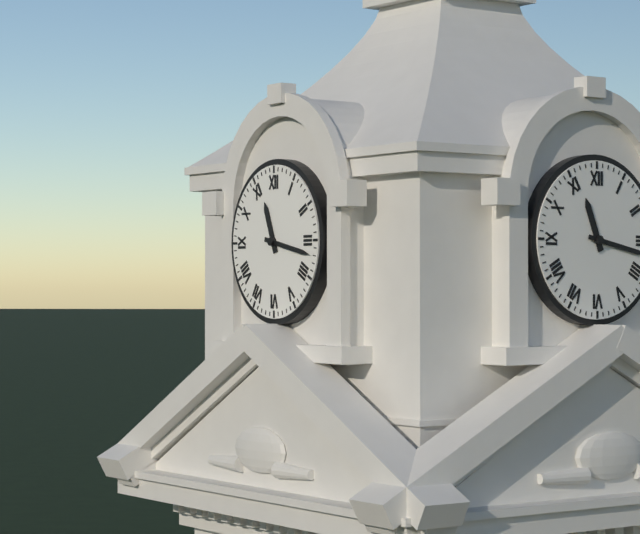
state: 11:17
